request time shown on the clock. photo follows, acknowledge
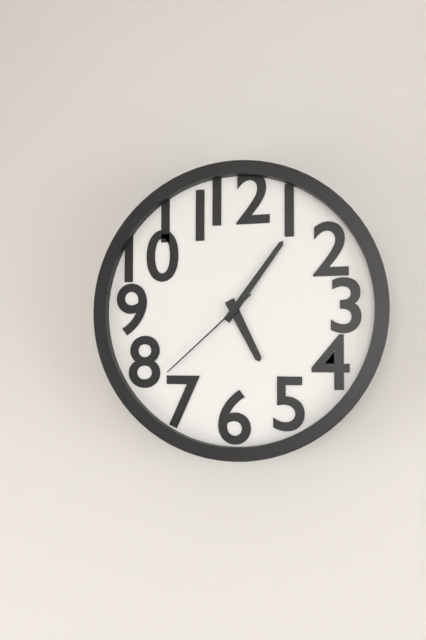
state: 5:06:38
